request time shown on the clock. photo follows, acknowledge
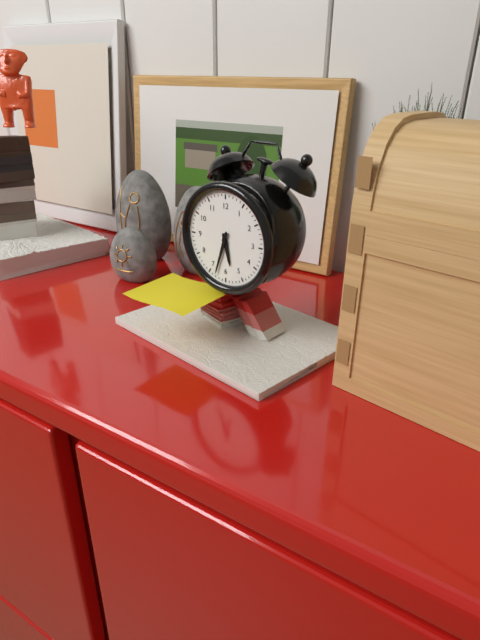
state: 5:33
